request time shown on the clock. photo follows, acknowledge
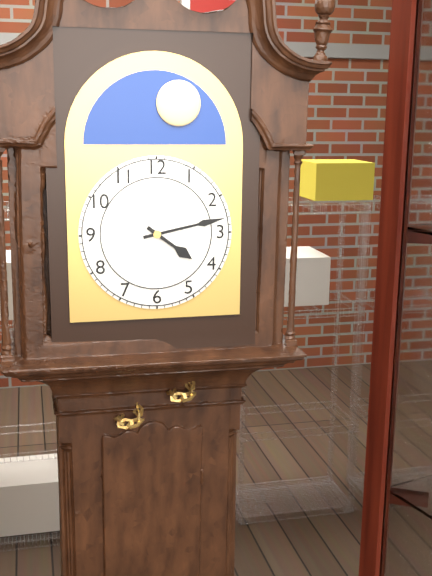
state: 4:13
